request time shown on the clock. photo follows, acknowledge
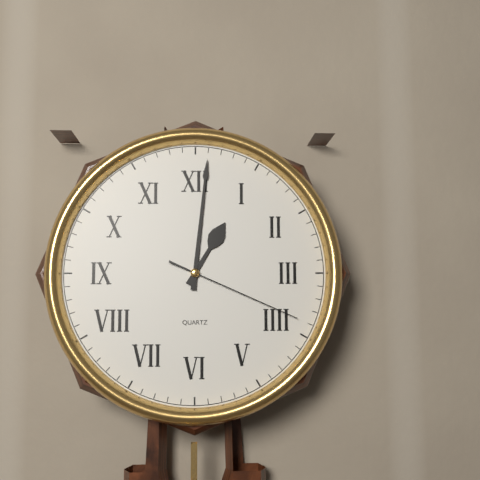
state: 1:01:19
